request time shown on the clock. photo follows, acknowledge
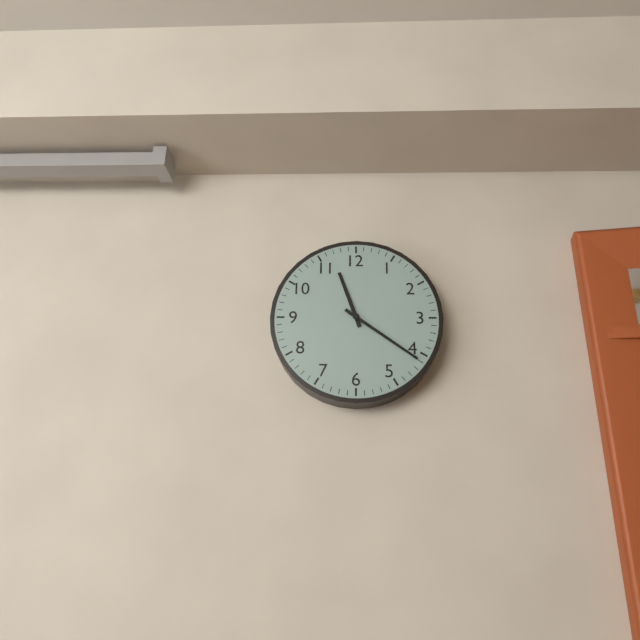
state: 11:21
